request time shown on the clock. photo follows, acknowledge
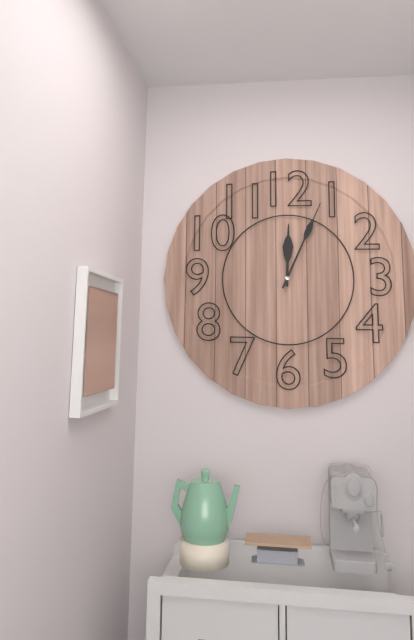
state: 12:04
